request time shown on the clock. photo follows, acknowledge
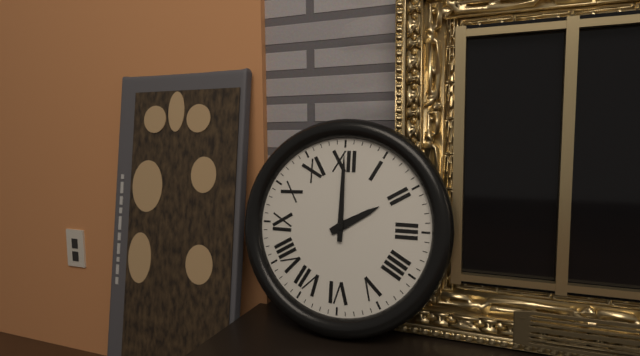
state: 2:00
